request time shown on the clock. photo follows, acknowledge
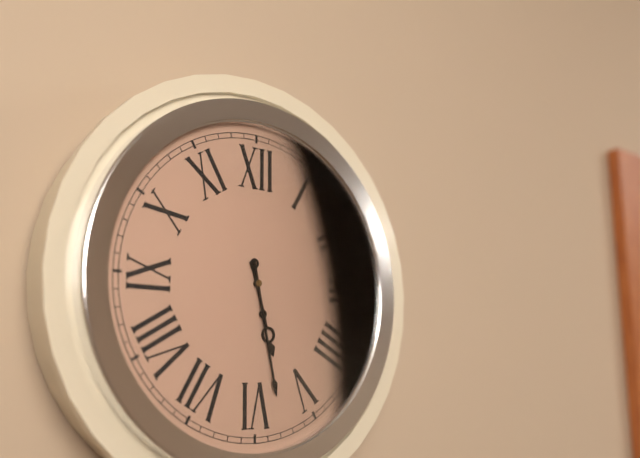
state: 5:28
